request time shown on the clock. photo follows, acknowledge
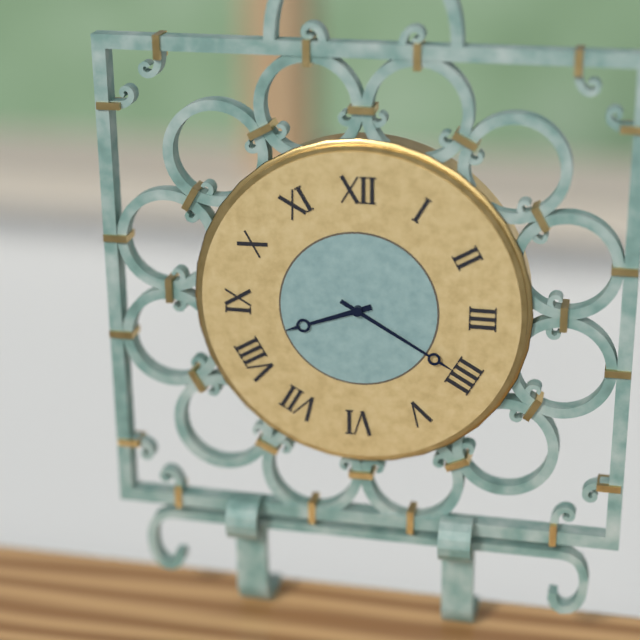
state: 8:20
